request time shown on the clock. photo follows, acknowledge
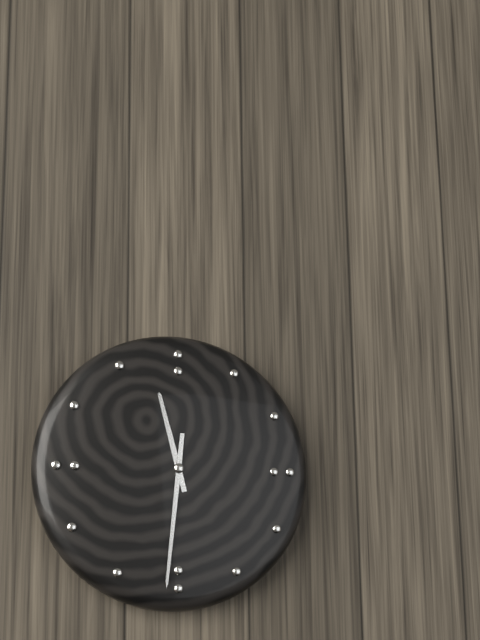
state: 11:31
